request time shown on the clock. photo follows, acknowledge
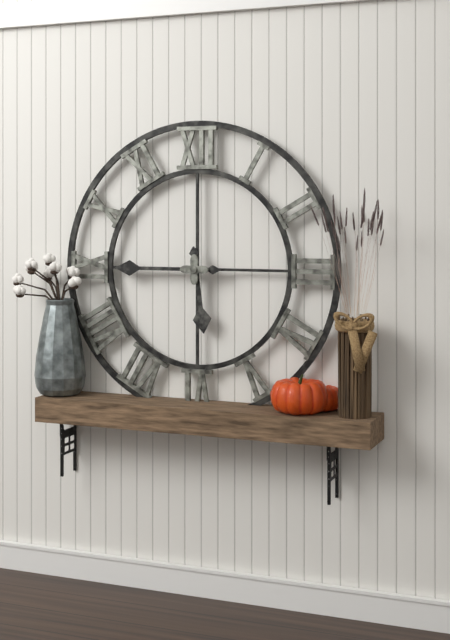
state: 5:45
